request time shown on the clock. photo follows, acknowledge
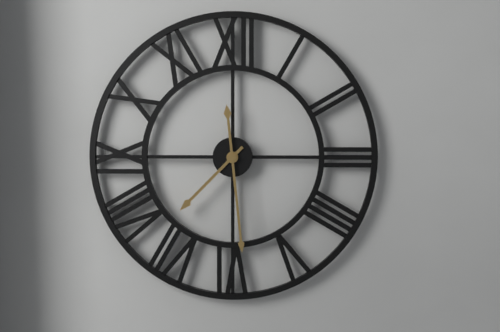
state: 7:29
